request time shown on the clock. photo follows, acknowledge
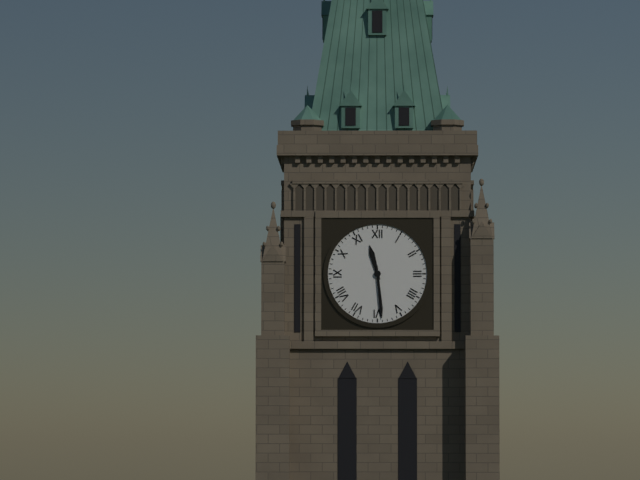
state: 11:29
